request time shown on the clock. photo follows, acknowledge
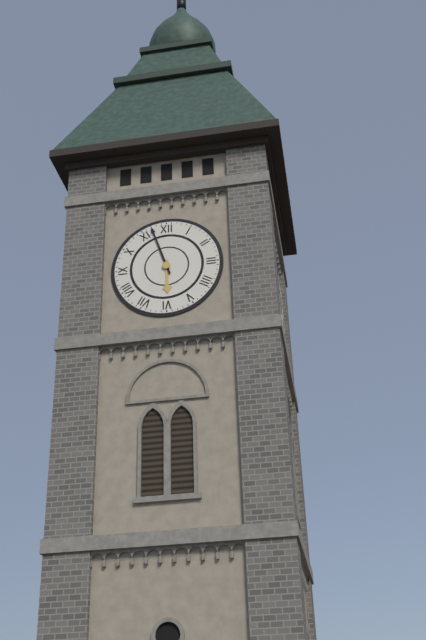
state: 5:57
